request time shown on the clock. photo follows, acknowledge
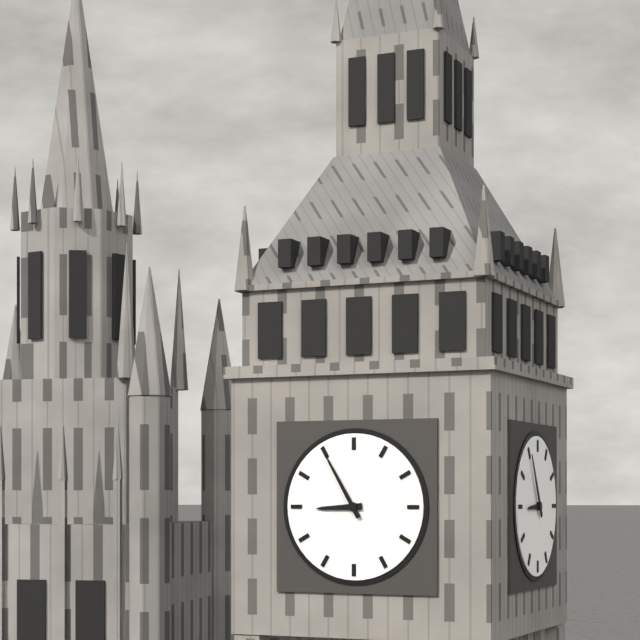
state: 8:55
